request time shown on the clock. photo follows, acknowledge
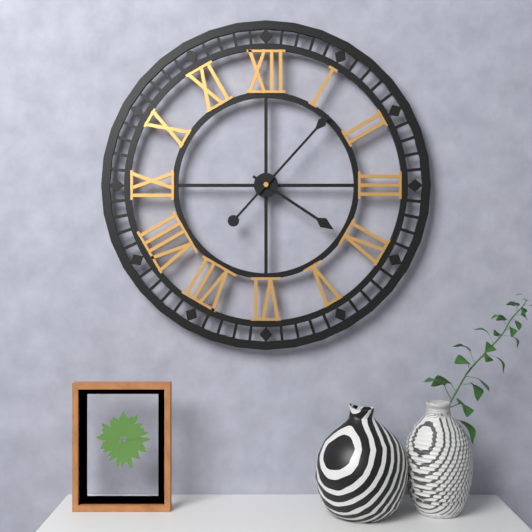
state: 4:07
